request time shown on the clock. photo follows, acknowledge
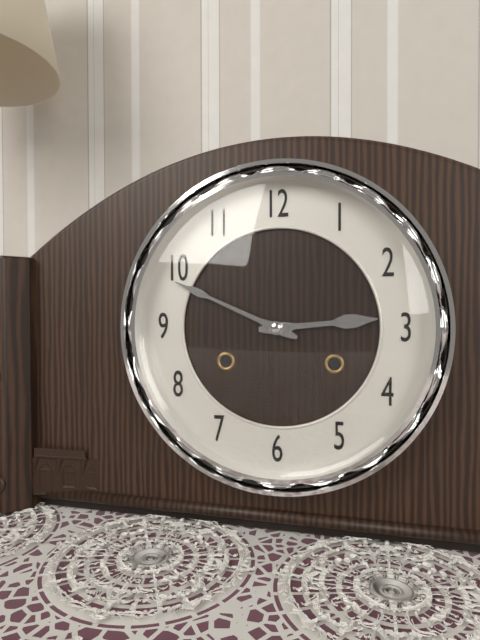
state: 2:49
